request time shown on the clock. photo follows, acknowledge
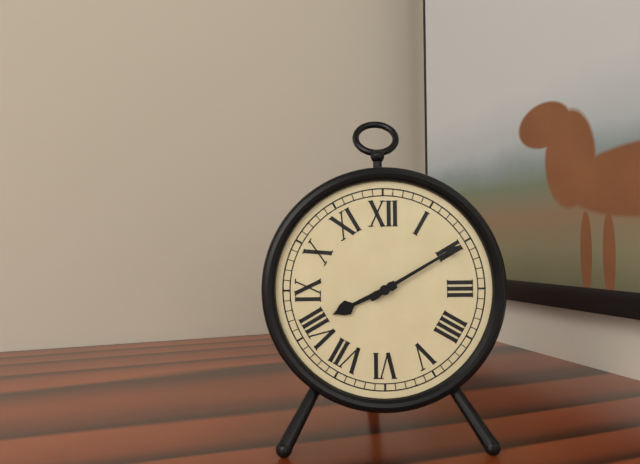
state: 8:10
